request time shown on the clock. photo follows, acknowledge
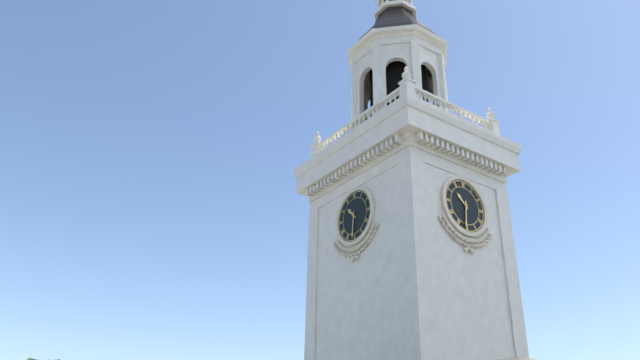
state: 10:31
